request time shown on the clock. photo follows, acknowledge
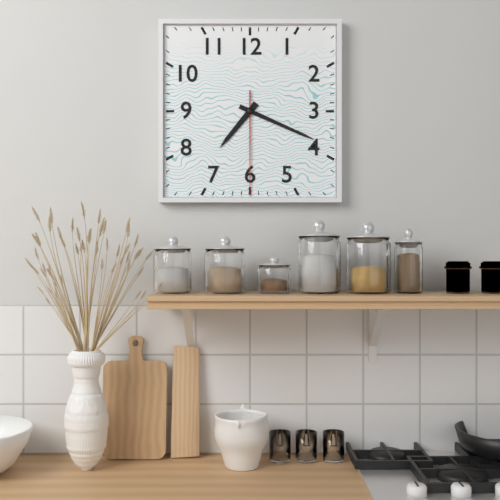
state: 7:19:30
